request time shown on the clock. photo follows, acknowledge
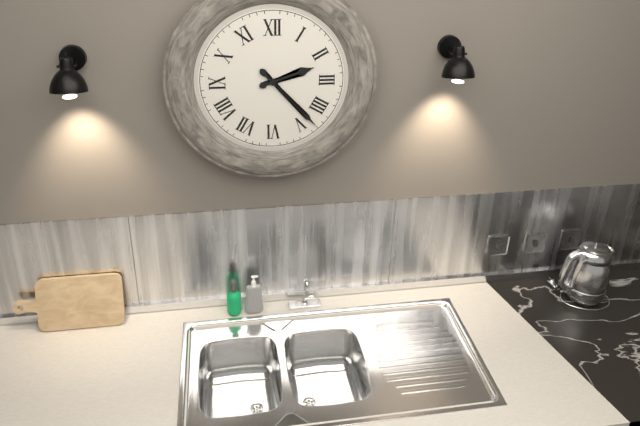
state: 2:23
